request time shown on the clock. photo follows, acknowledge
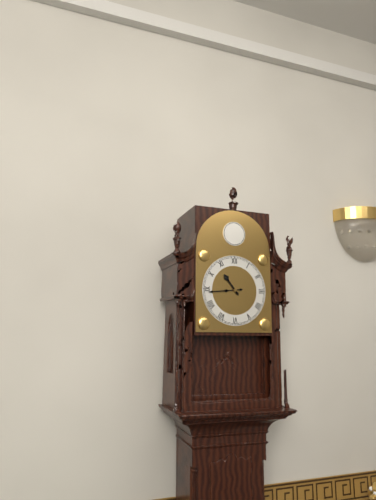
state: 10:44
